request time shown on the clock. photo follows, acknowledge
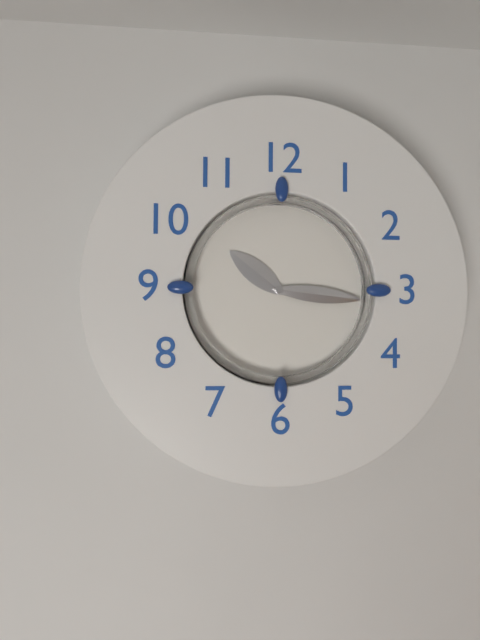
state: 10:16
